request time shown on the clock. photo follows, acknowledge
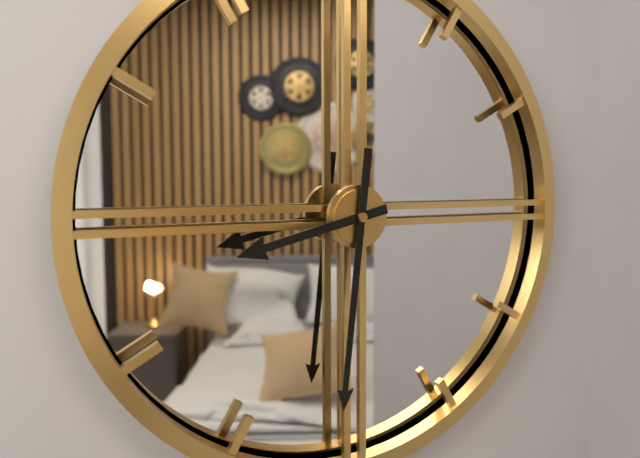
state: 8:31
